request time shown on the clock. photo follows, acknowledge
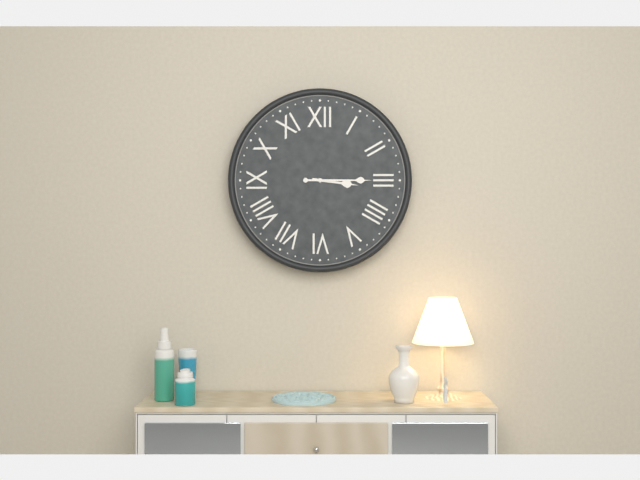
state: 3:15
